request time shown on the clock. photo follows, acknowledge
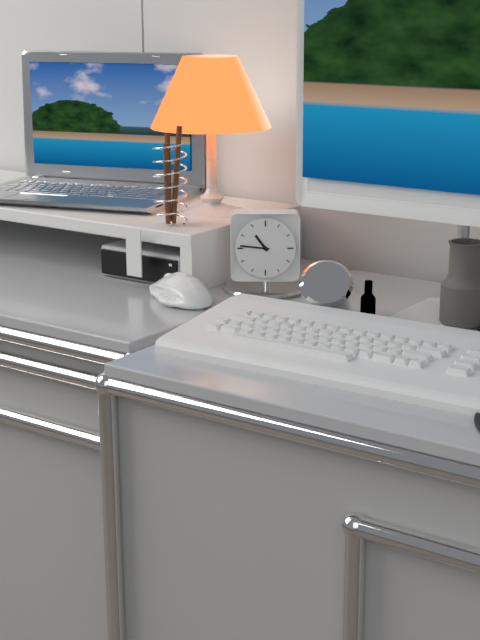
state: 10:46
